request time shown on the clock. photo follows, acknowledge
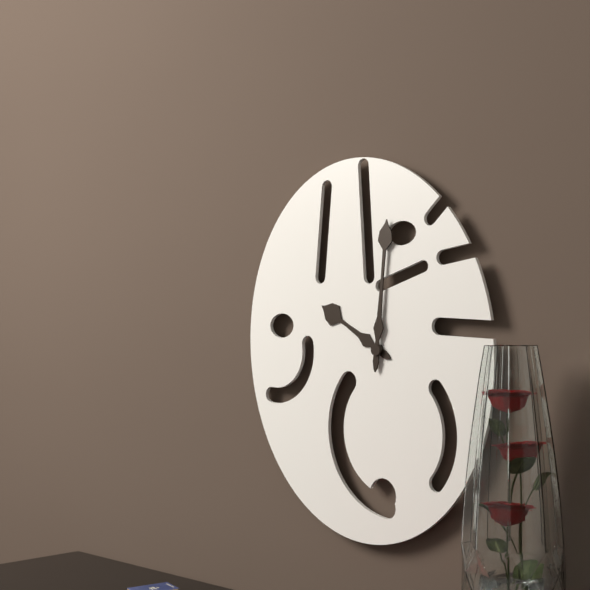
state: 10:01
